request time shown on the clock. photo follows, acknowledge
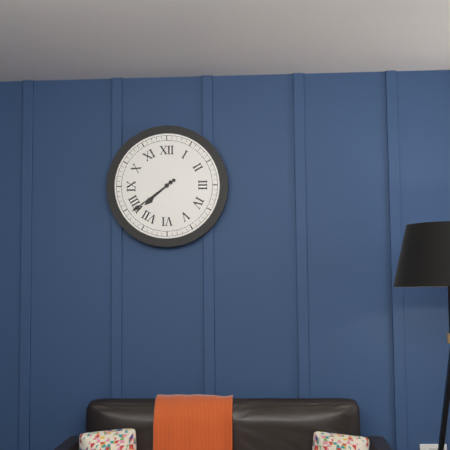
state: 7:39
